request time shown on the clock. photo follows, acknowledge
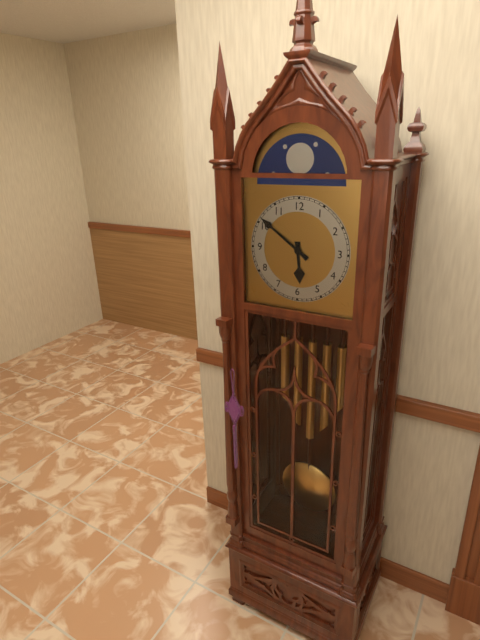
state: 5:51
